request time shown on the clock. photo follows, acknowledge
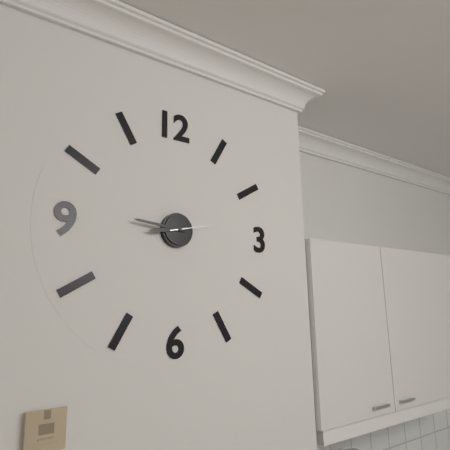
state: 8:46
